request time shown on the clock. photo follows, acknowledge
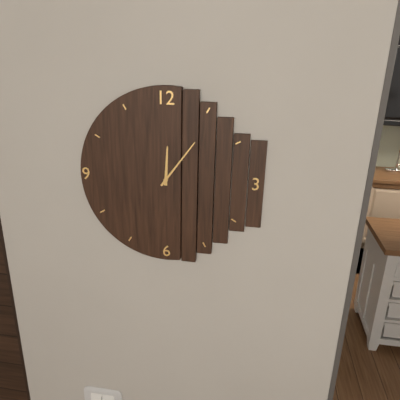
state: 12:06
